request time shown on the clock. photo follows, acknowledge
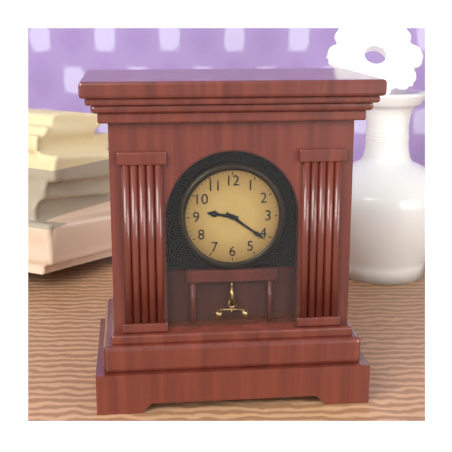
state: 9:21
